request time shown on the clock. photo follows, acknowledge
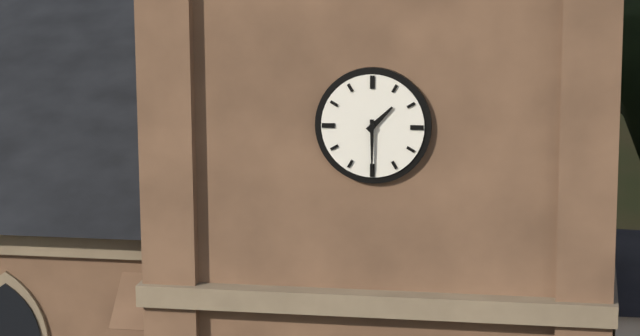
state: 1:30
